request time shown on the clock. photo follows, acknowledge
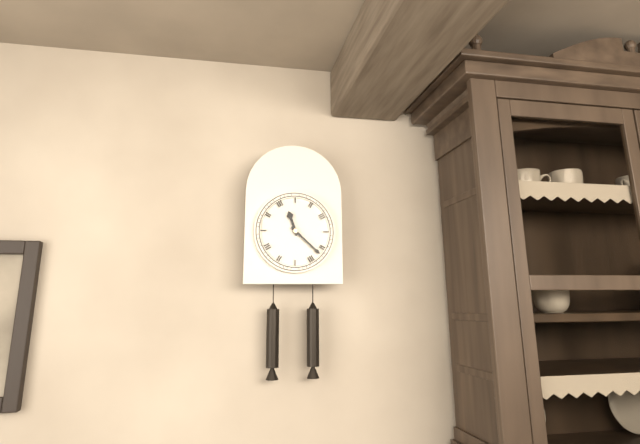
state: 11:22
